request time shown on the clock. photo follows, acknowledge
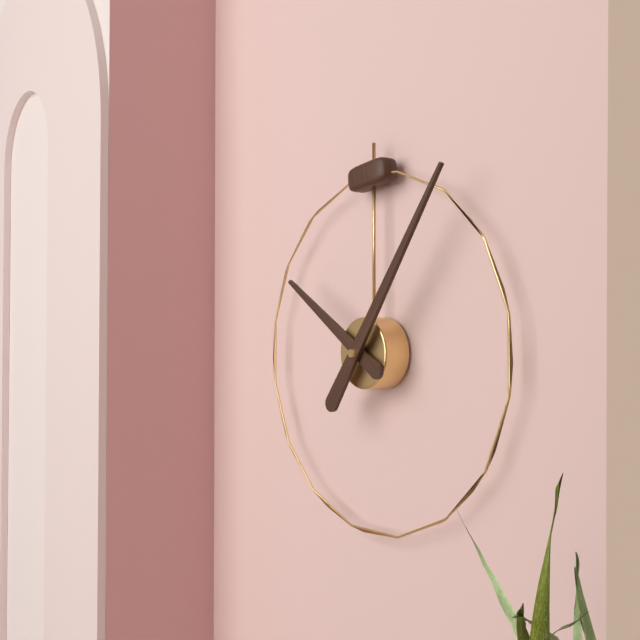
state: 10:06
